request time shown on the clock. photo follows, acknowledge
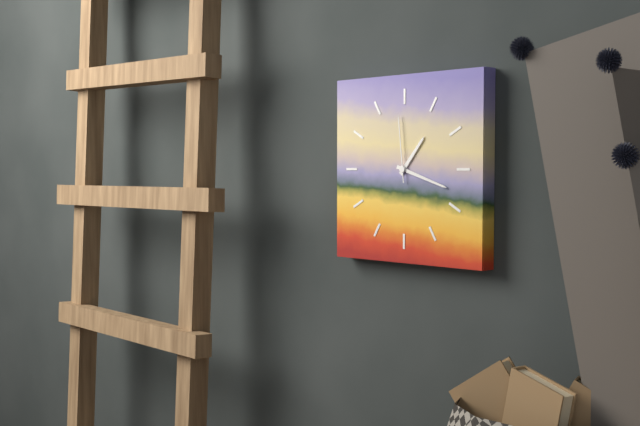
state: 1:18:59
